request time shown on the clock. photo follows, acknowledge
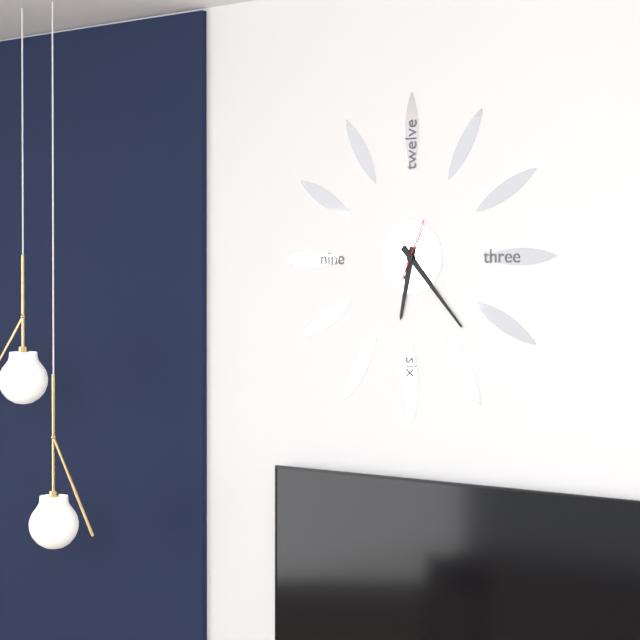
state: 6:23:04
